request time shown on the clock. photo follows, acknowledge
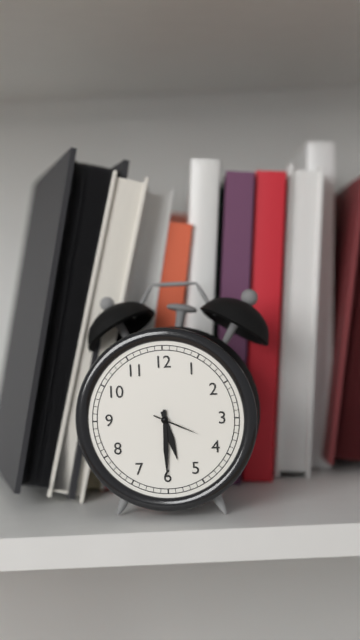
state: 5:30
